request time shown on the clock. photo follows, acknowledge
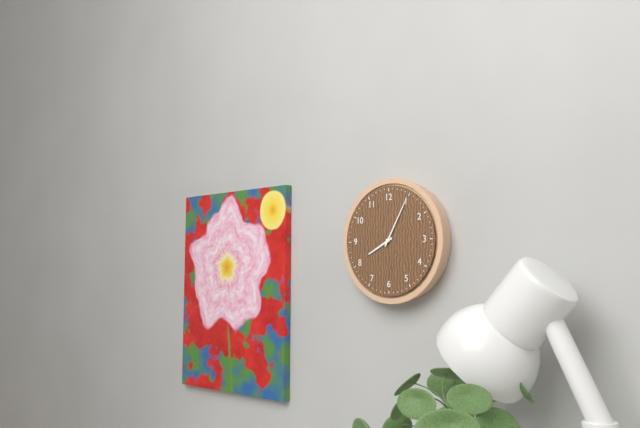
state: 8:05
